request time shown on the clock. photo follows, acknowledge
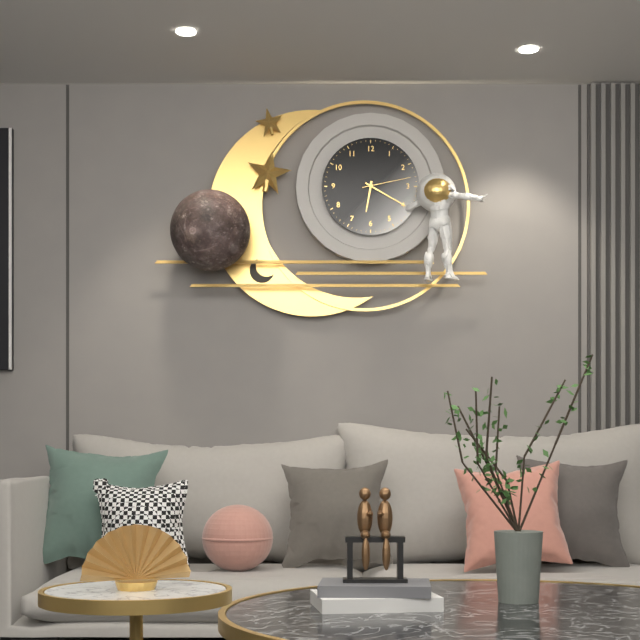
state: 6:20:13
